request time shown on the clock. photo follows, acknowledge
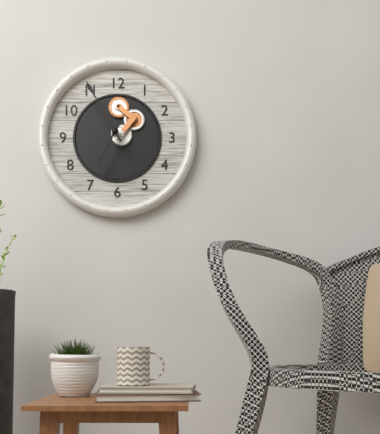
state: 6:55
